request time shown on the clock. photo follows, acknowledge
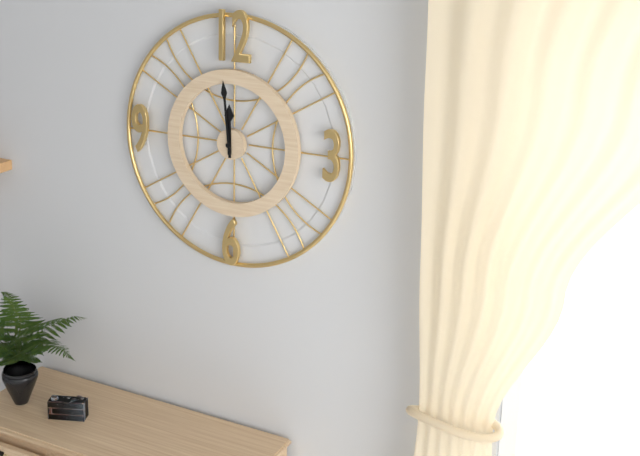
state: 11:59
